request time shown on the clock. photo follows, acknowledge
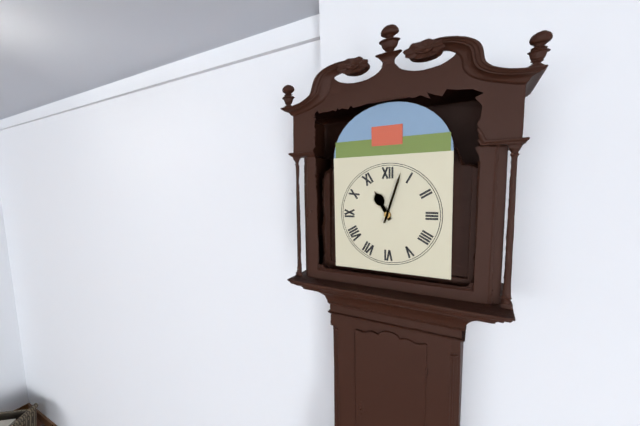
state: 11:03
